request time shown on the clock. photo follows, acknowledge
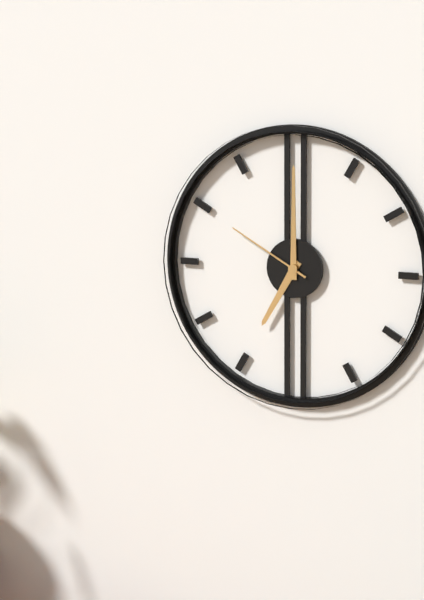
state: 7:00:50
